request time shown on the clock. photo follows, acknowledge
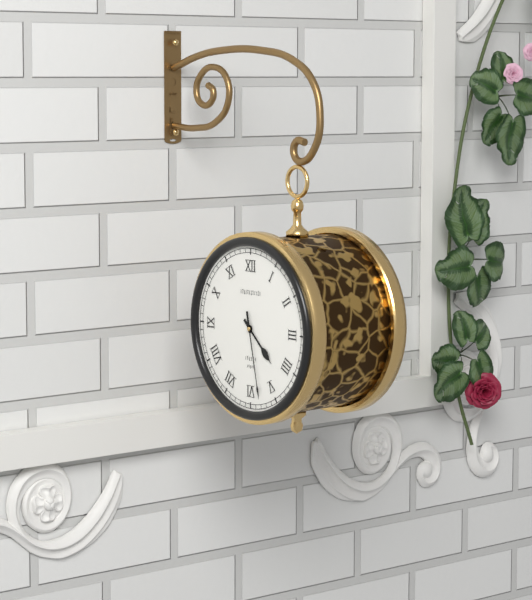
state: 4:28
